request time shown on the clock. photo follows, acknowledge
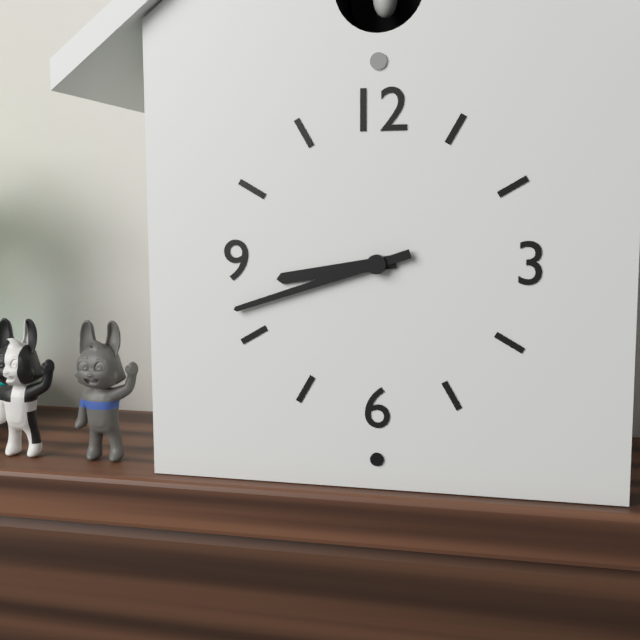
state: 8:42
